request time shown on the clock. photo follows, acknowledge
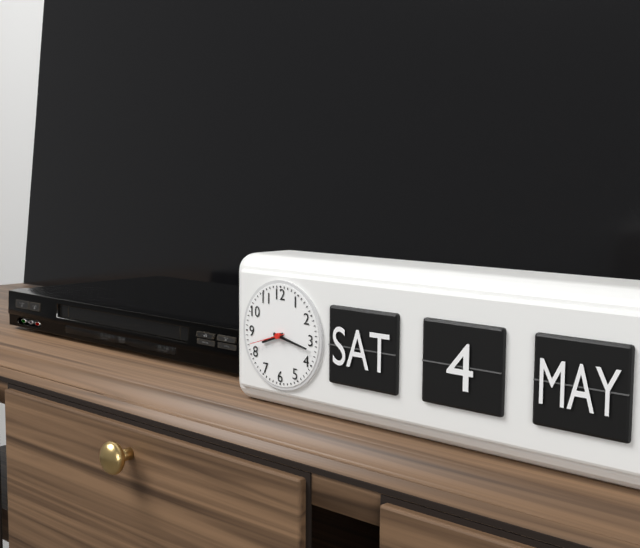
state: 8:17
